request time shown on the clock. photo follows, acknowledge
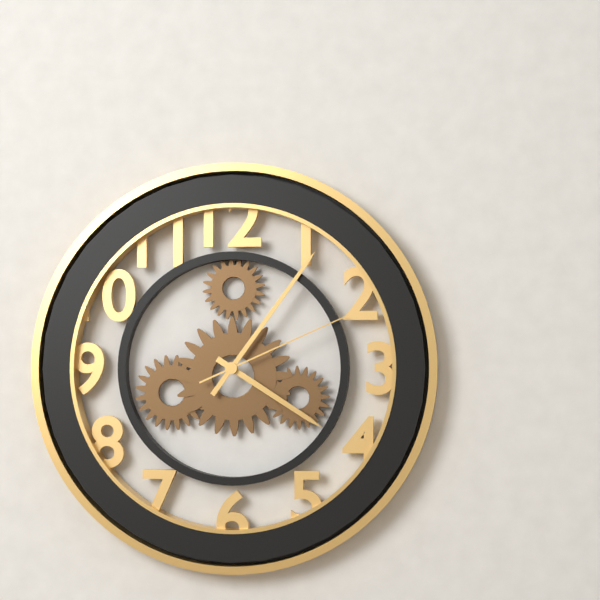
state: 4:06:11
